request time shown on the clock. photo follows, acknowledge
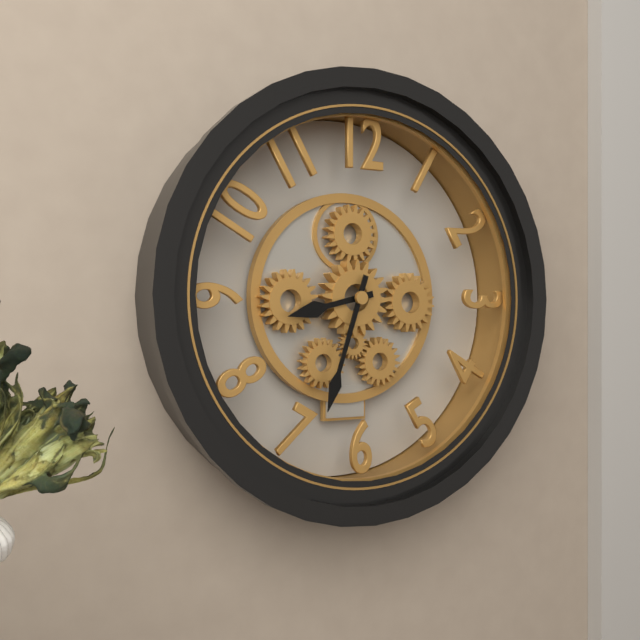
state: 8:33
